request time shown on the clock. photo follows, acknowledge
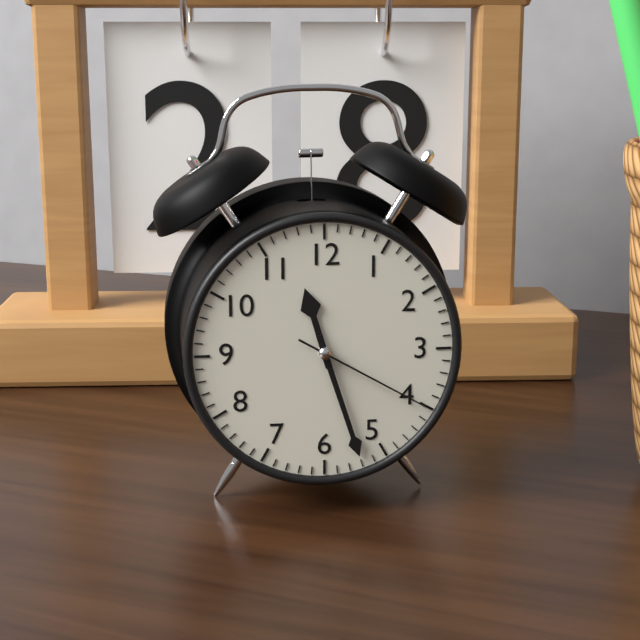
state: 11:27:20
